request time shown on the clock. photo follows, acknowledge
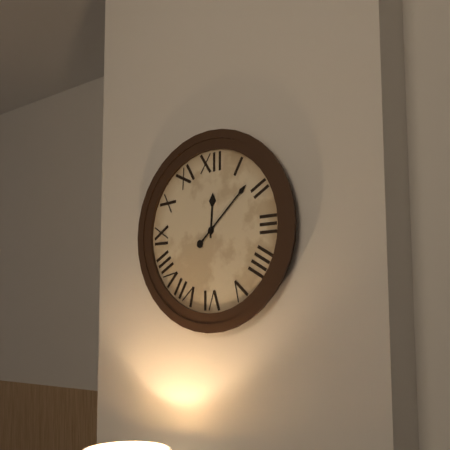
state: 12:08
